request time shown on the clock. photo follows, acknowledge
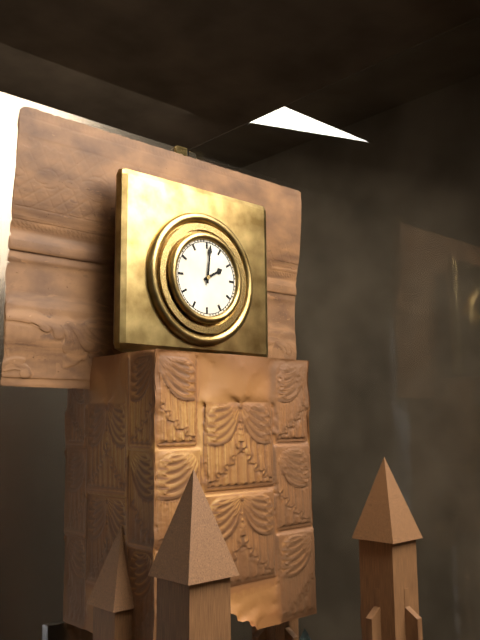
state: 2:01
